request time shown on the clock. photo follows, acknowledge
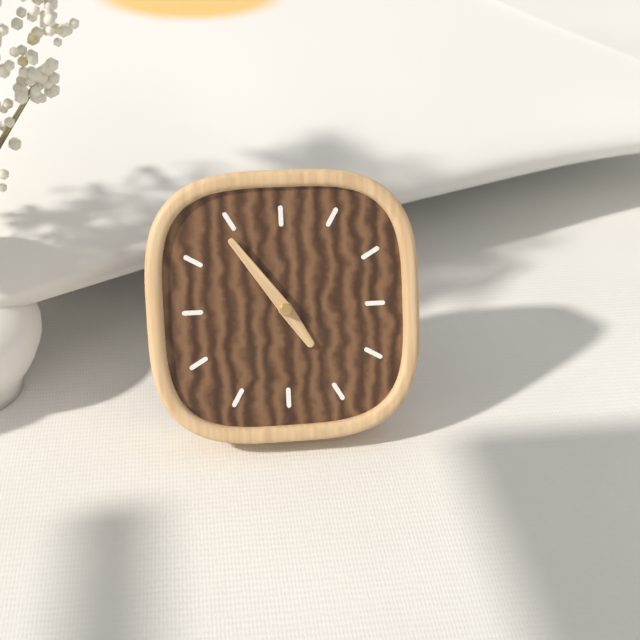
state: 4:54
